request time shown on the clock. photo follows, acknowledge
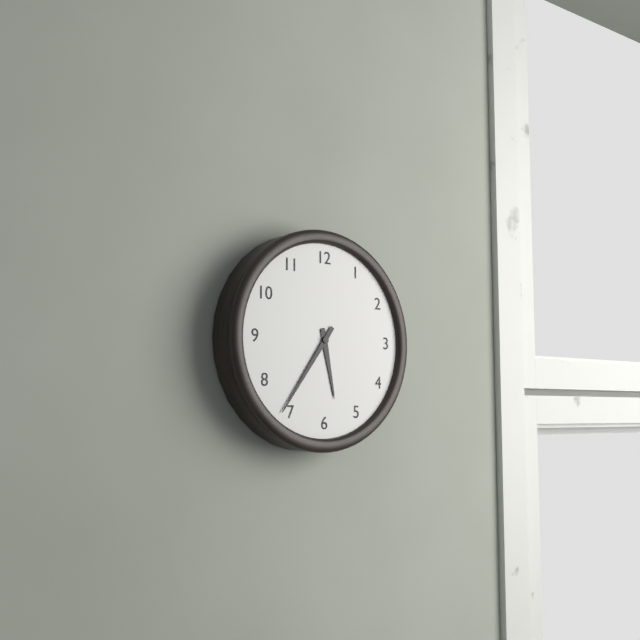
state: 5:36
